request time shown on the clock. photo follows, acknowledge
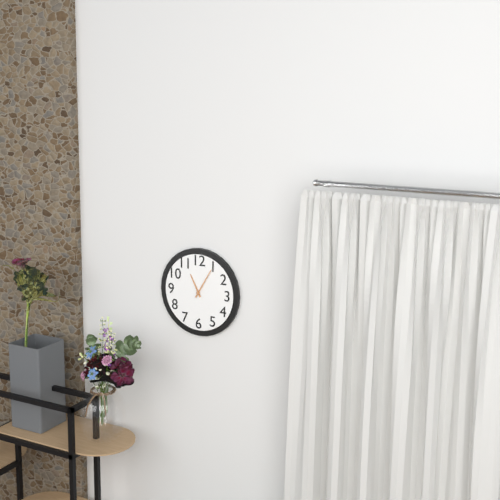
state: 11:05
